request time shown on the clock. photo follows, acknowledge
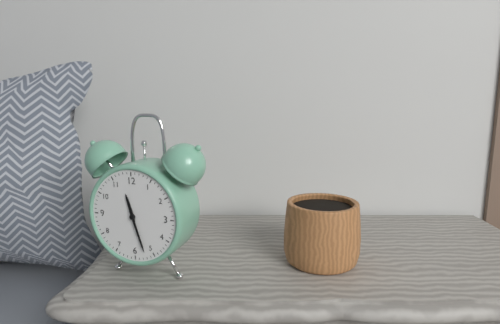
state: 11:27
